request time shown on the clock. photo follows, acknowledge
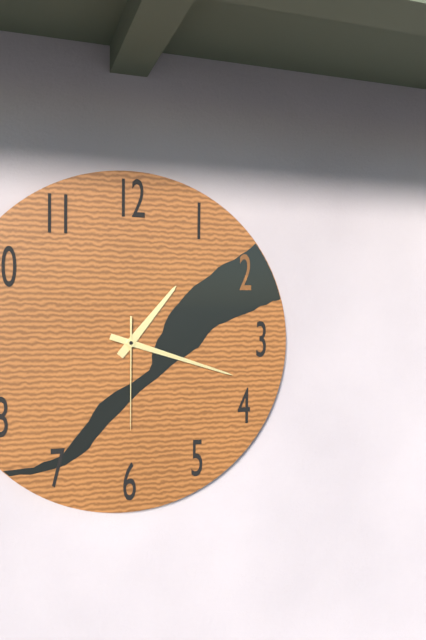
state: 1:18:30
